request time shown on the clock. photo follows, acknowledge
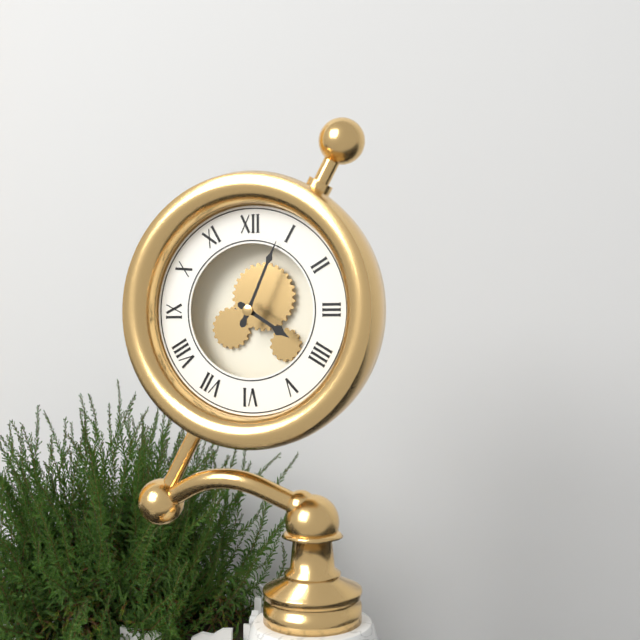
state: 4:04
